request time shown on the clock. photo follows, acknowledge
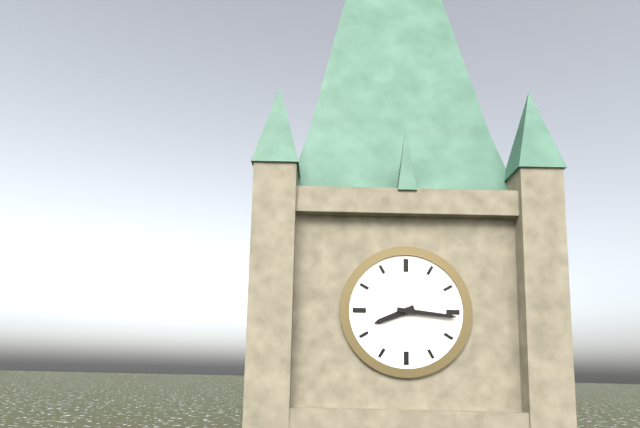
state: 8:16
